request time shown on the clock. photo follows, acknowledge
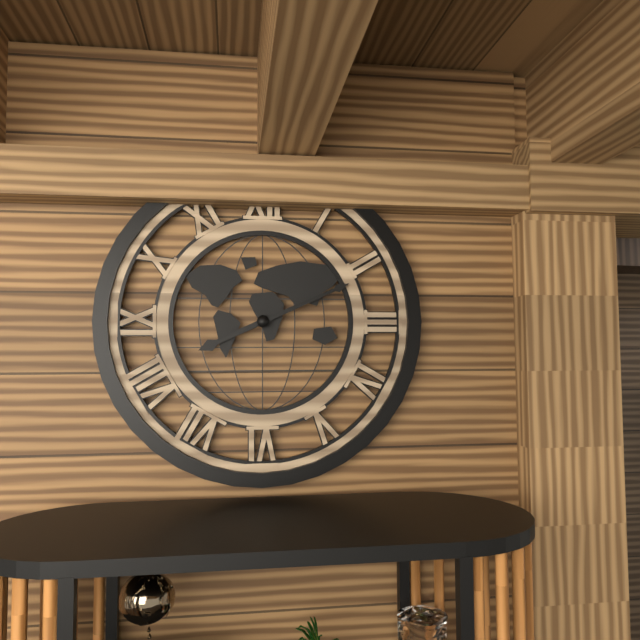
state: 8:11
